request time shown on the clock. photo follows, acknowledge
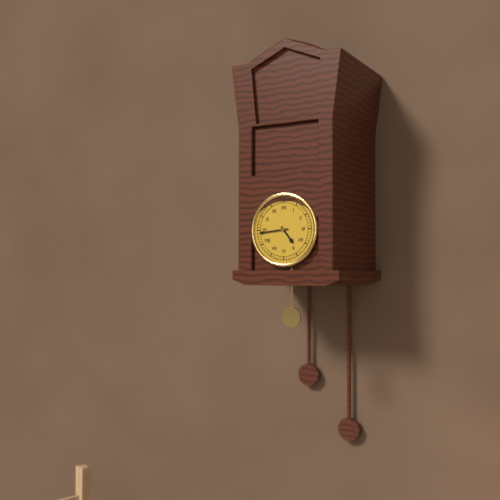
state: 4:44
